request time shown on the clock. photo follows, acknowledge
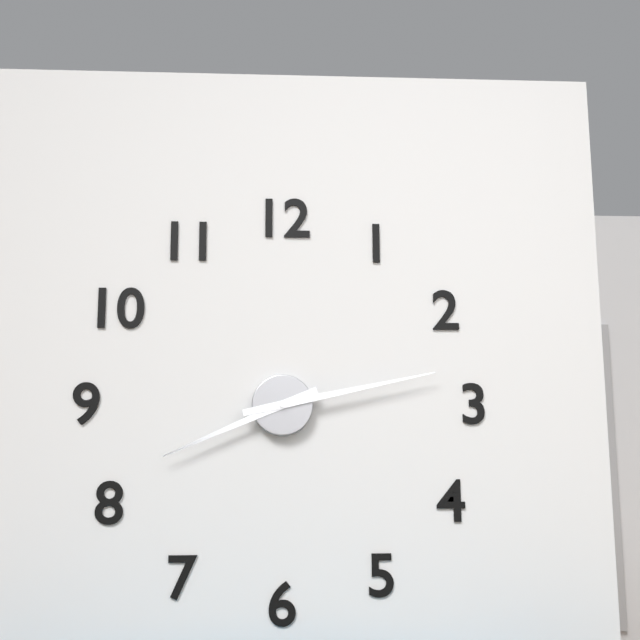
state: 8:13
